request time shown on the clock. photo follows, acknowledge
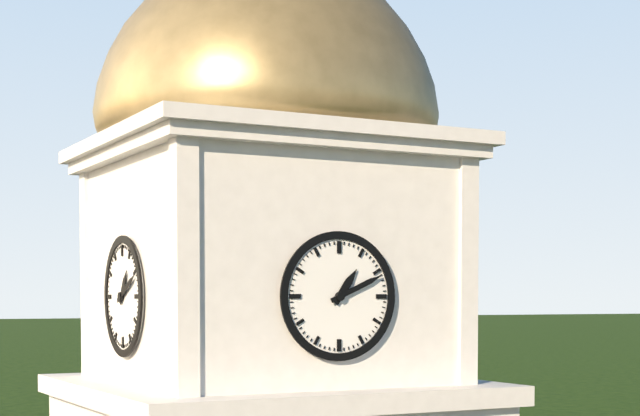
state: 1:11
